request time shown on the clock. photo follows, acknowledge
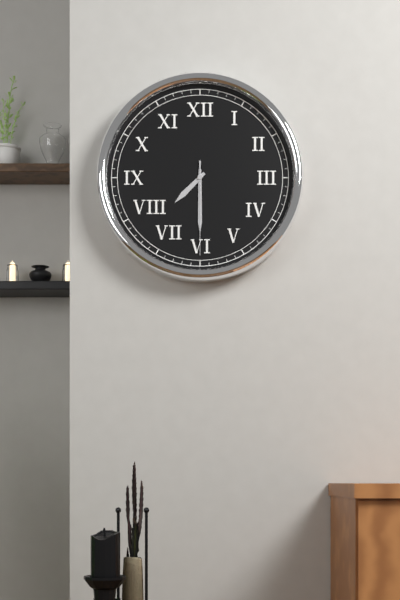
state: 7:30:30
